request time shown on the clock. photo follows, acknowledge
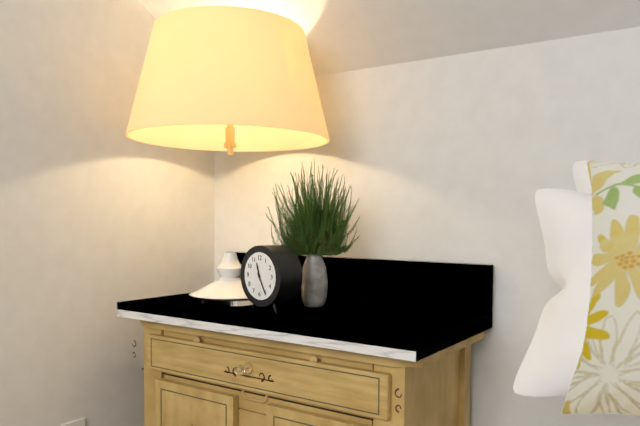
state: 11:25
